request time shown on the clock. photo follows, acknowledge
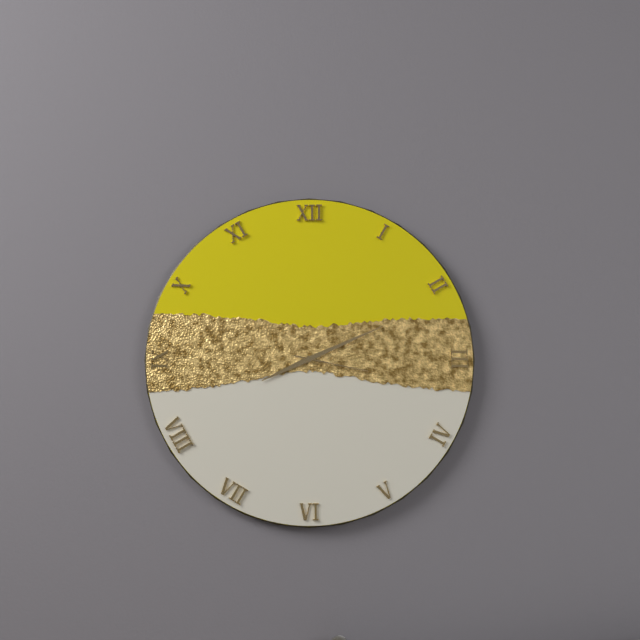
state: 8:11:17
